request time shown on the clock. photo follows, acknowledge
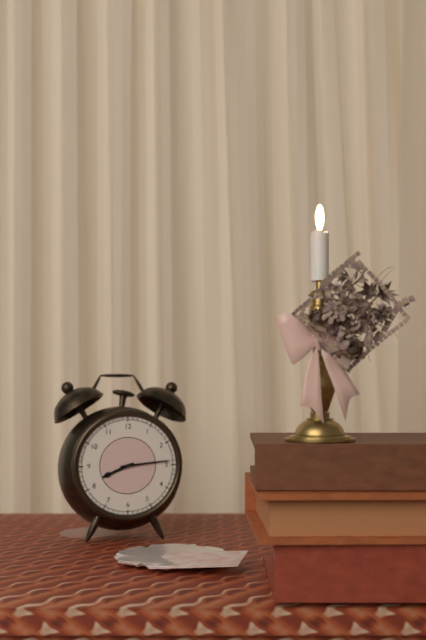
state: 8:14
